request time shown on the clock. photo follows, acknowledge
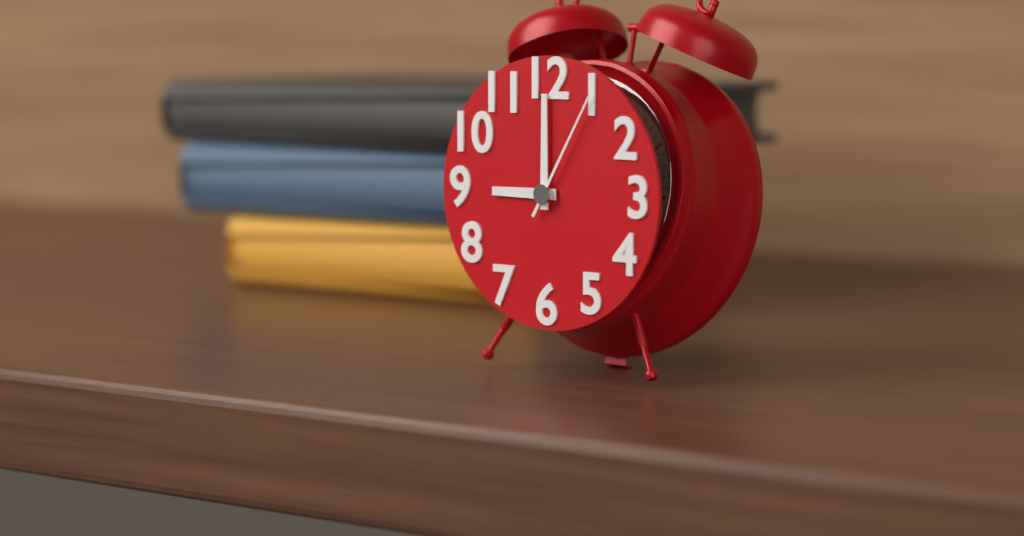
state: 9:00:05
